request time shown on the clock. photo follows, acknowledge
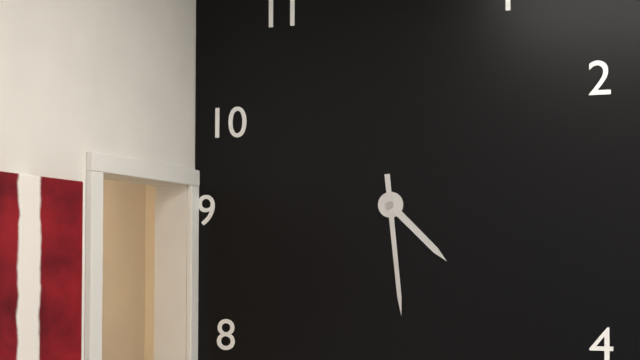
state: 4:29
